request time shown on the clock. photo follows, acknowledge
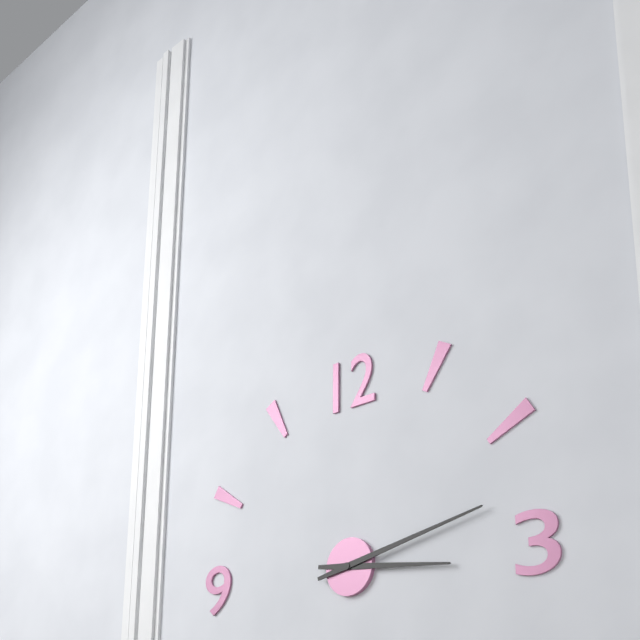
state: 3:13
